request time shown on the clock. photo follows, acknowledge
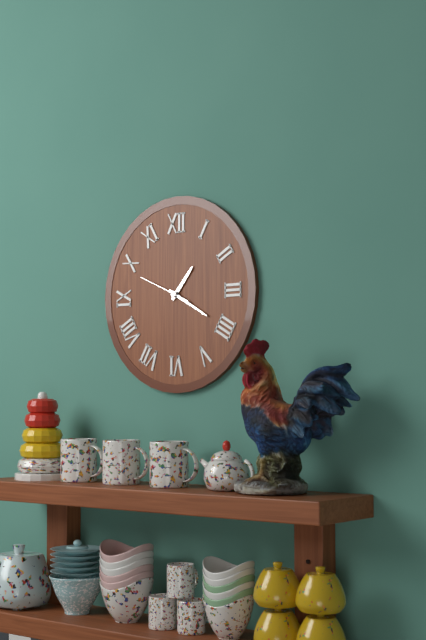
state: 1:20
